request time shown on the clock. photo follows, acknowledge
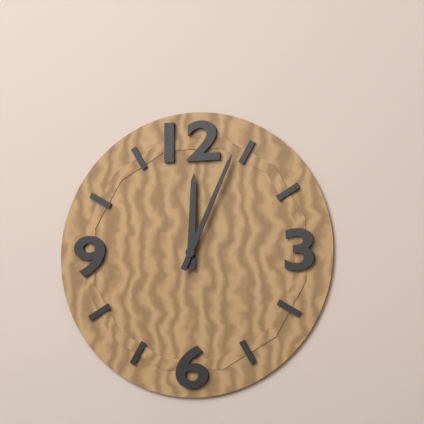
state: 12:04
